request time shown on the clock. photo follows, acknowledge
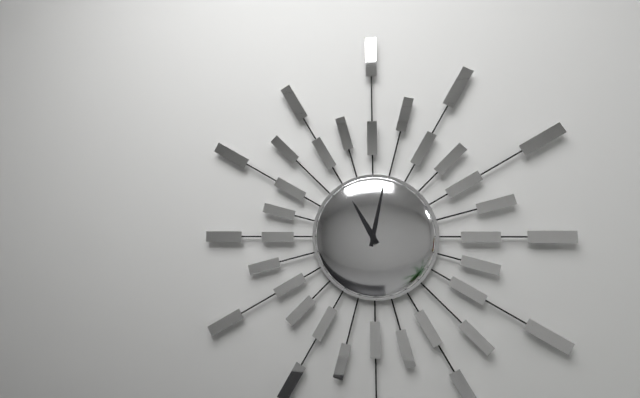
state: 11:02
